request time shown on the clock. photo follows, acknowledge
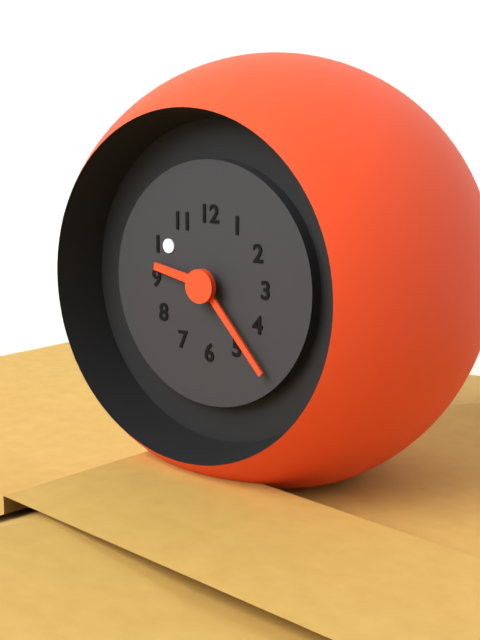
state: 9:23
